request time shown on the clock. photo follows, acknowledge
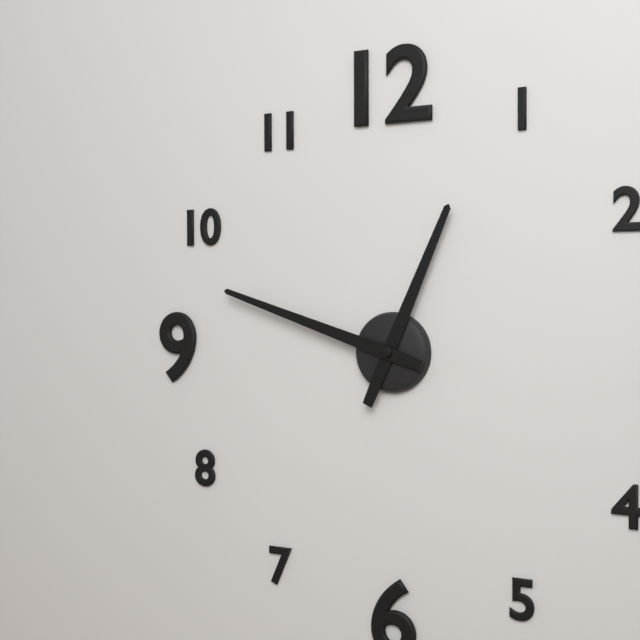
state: 12:48
